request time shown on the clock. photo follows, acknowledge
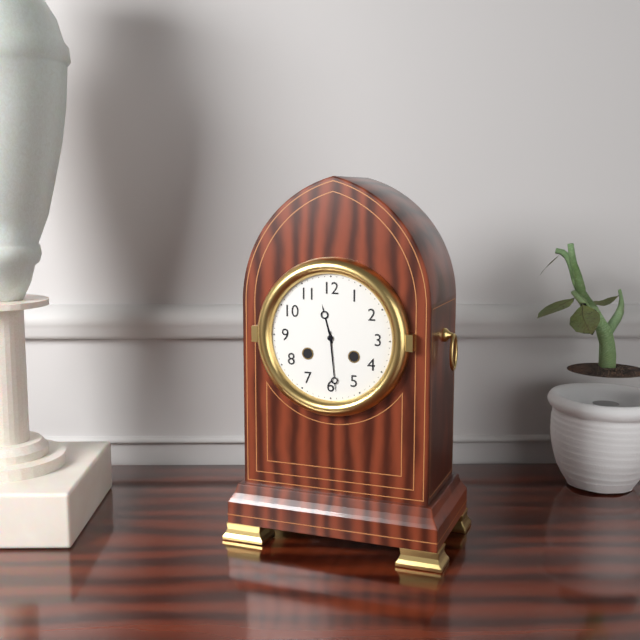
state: 11:29
